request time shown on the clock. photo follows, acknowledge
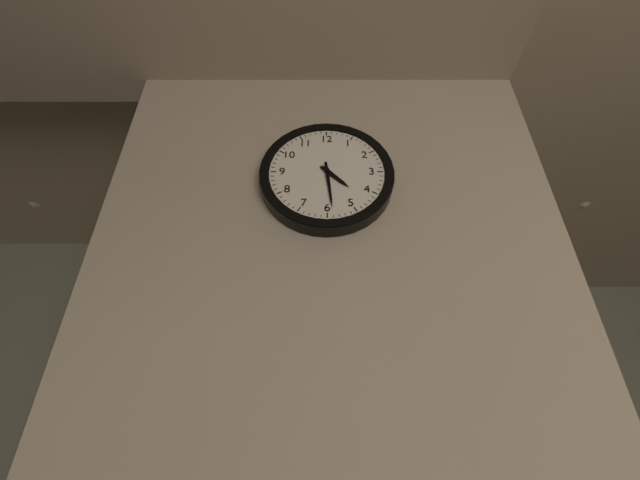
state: 4:29
